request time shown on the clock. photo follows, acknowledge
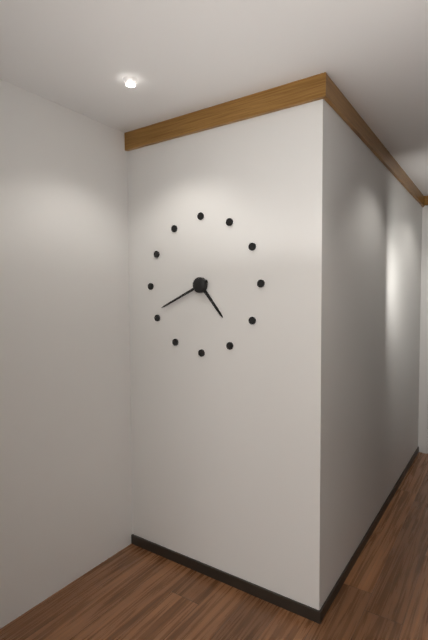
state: 4:41
